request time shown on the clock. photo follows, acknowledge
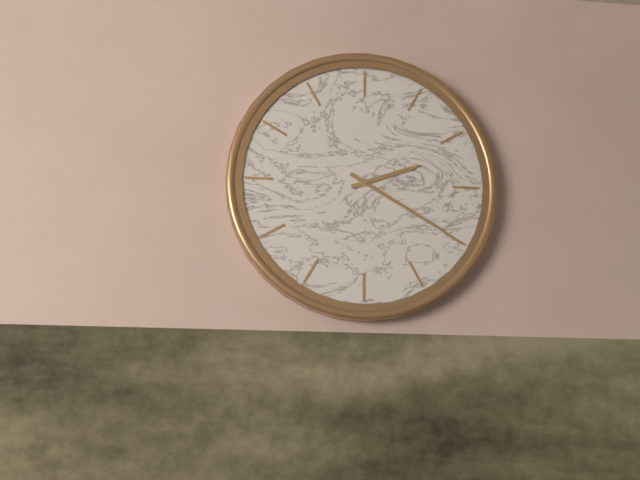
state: 2:20
